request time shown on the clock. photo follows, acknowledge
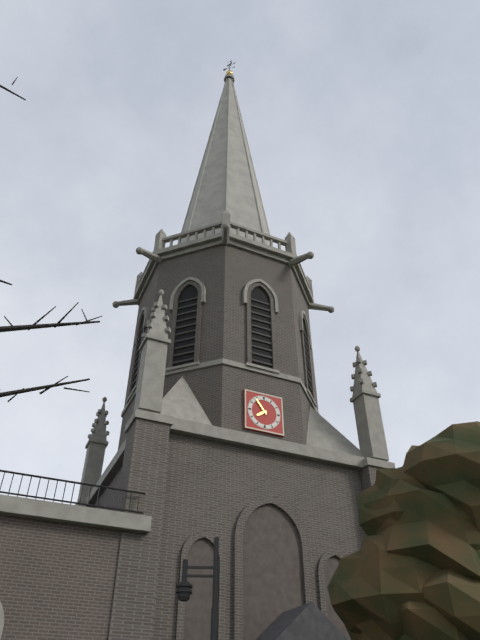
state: 7:54
